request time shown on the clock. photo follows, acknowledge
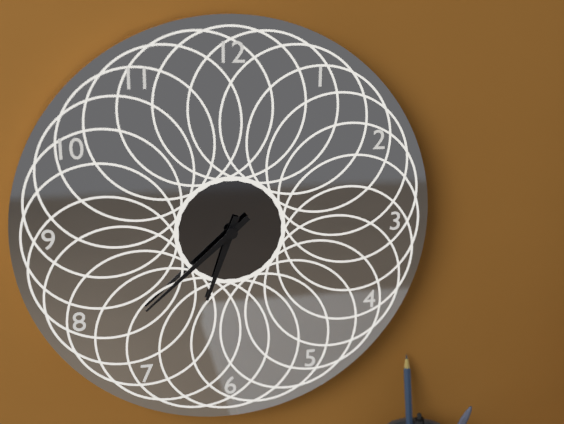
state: 6:38
